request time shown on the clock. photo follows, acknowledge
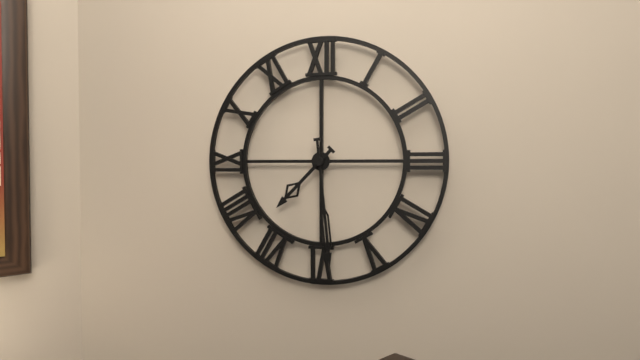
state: 7:29
